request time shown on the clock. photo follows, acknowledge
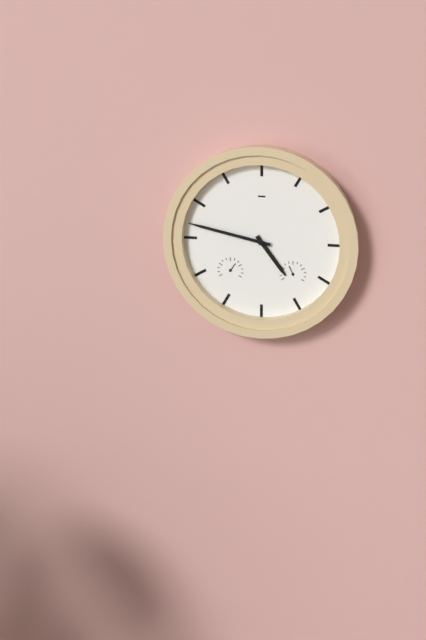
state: 4:47
